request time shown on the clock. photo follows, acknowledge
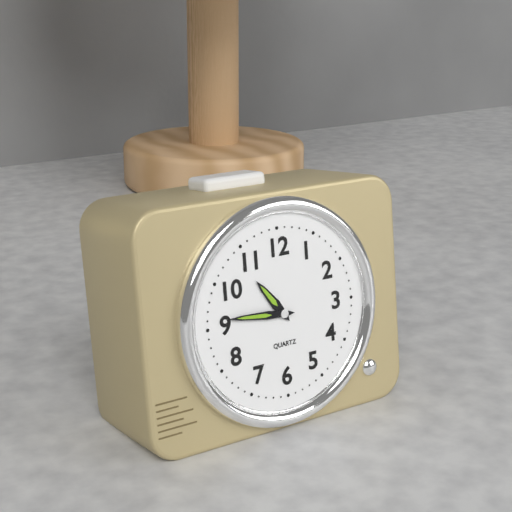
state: 10:46
